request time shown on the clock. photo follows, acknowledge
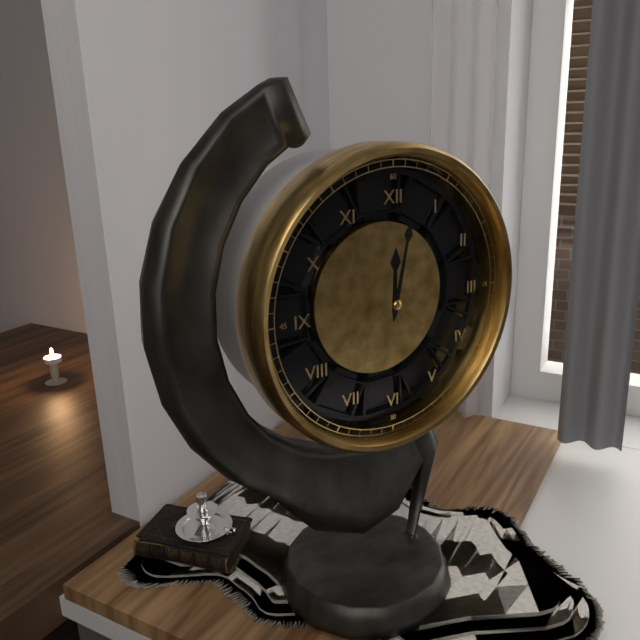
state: 12:02
